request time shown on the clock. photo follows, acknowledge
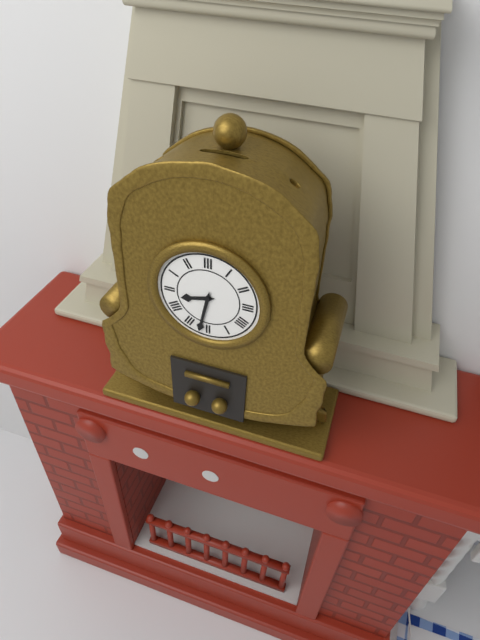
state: 8:32
